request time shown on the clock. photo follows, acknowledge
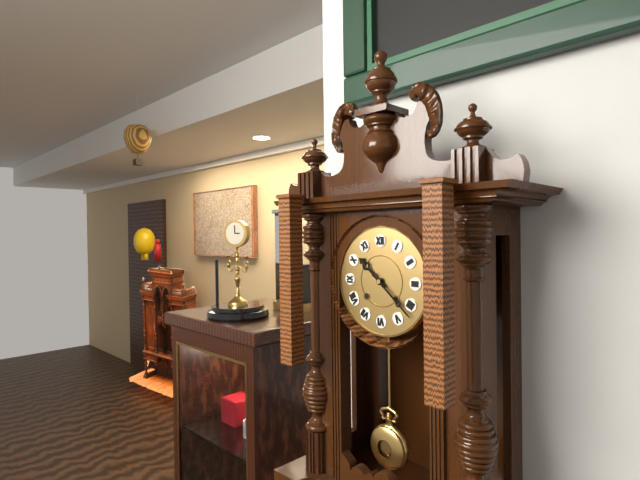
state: 10:22
